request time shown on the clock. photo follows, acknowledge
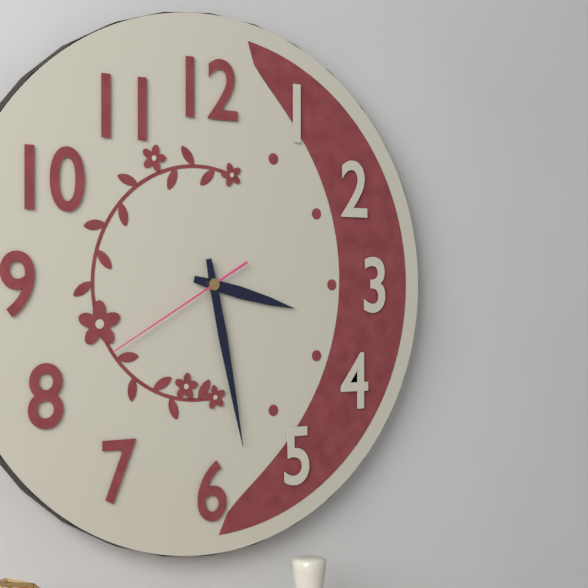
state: 3:28:40
